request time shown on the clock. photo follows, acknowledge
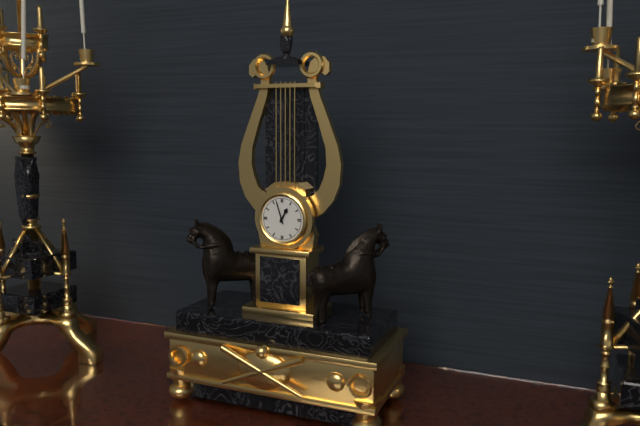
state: 12:57
